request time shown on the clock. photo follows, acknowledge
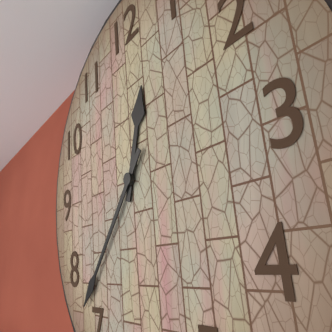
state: 12:37
